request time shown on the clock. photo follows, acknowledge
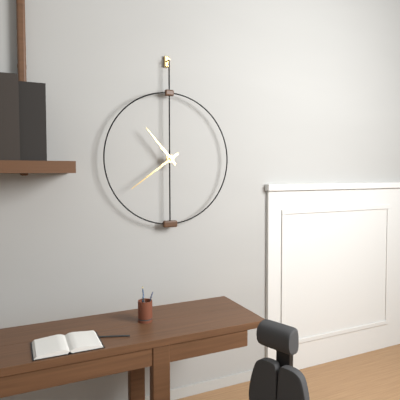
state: 10:39
